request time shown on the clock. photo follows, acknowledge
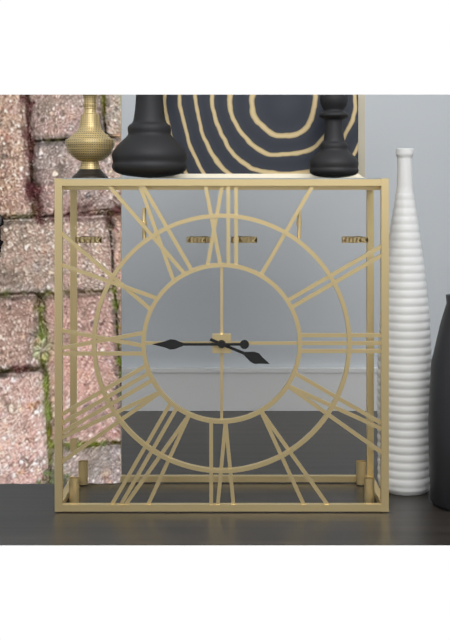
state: 3:45
